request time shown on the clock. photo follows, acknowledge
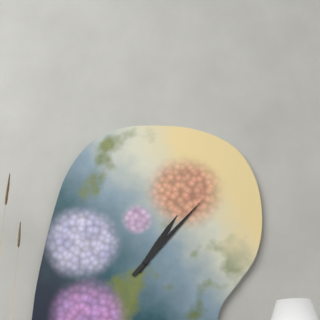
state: 1:07
